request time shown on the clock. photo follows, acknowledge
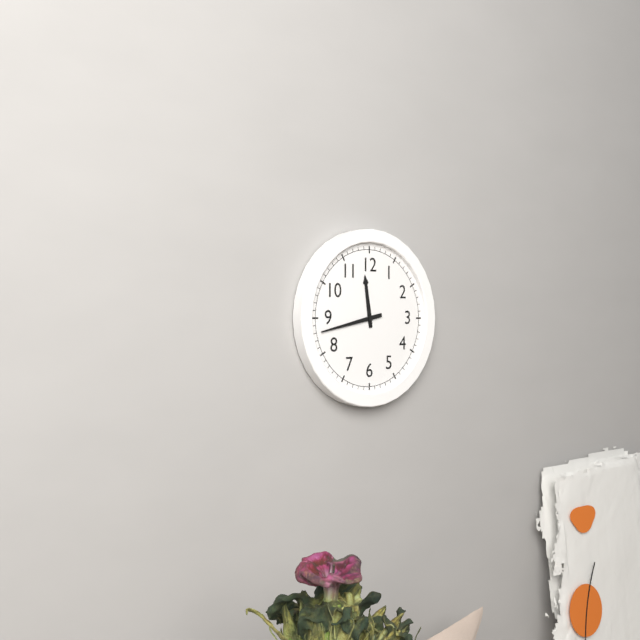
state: 11:43
